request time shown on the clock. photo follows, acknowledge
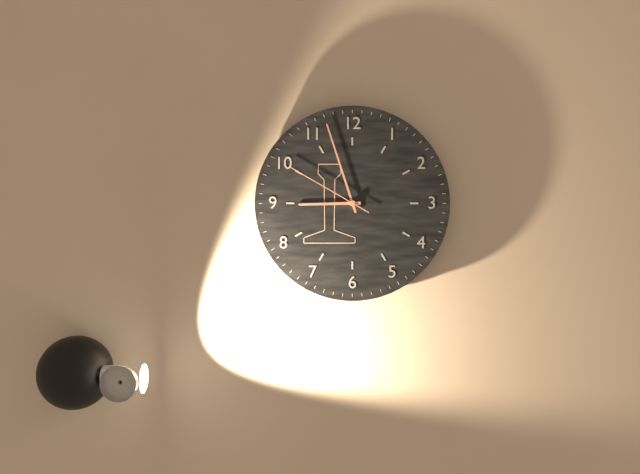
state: 8:57:50
